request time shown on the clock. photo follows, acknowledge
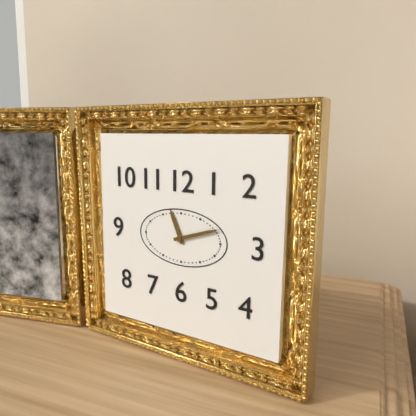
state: 11:12
